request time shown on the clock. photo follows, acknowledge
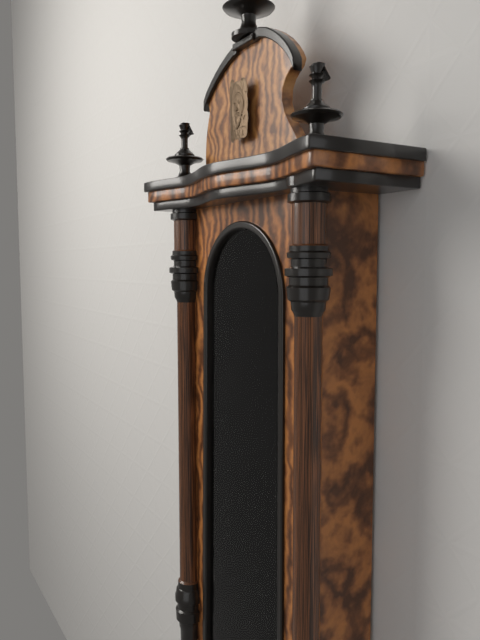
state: 12:44
